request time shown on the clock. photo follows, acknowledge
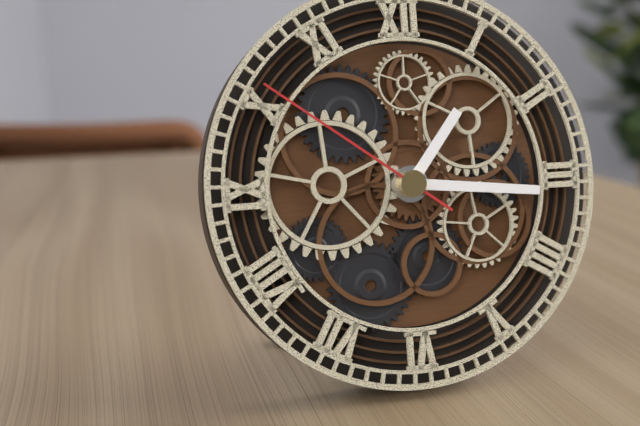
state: 1:16:51
